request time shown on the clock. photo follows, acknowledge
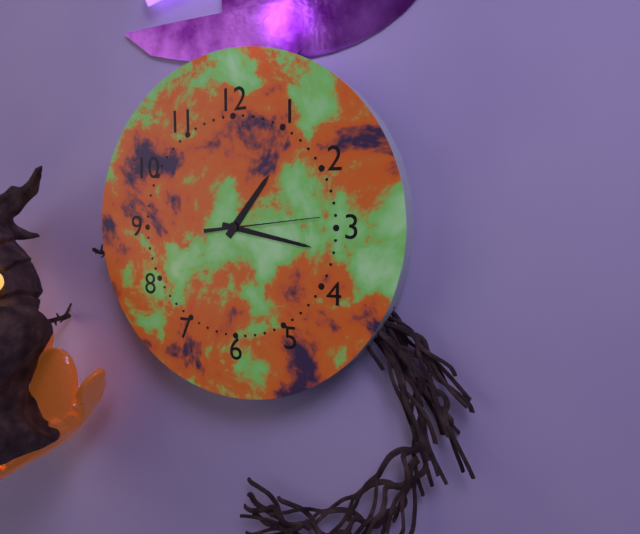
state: 1:17:14
